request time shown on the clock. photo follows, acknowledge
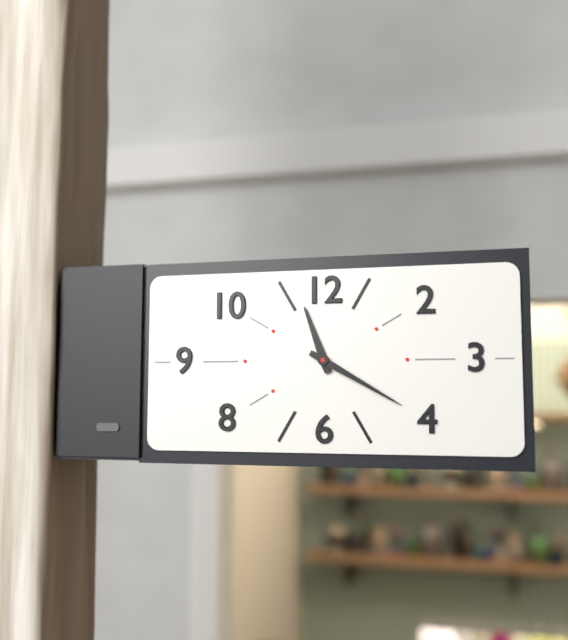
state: 11:20
